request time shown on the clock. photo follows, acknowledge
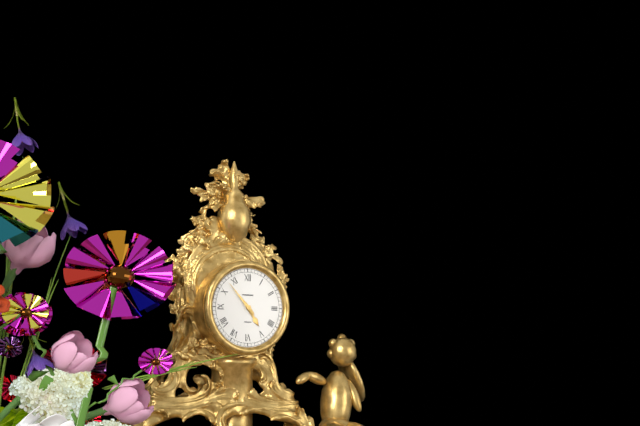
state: 4:53
